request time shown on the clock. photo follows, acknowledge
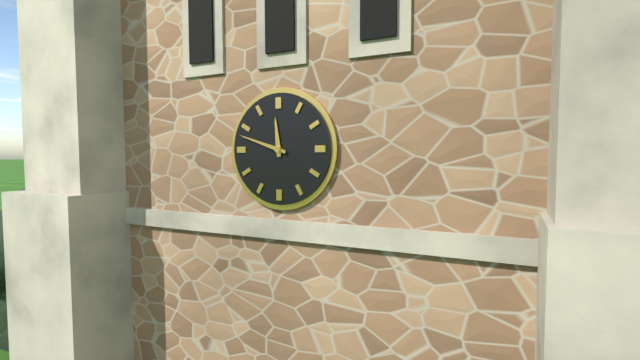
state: 11:48
